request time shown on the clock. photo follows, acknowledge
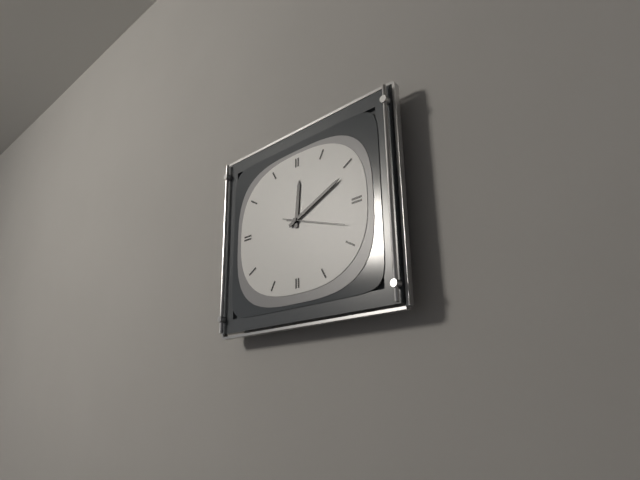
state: 12:11:18
